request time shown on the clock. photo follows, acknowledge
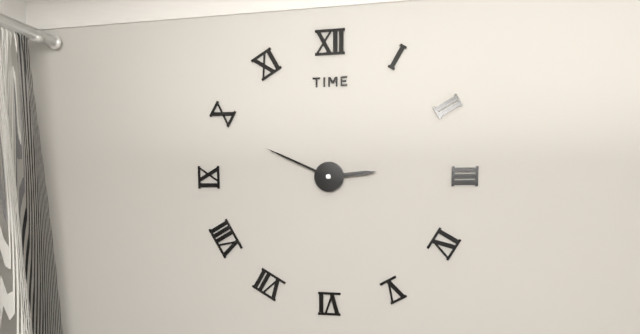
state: 2:49
